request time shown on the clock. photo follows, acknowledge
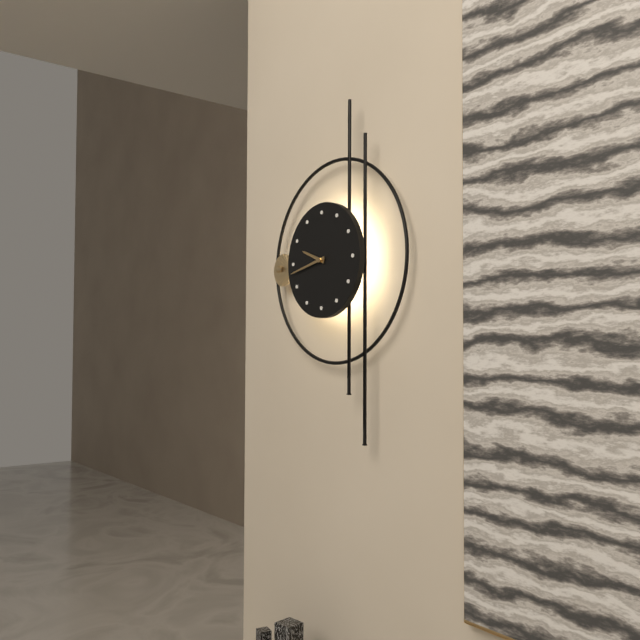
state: 9:43
